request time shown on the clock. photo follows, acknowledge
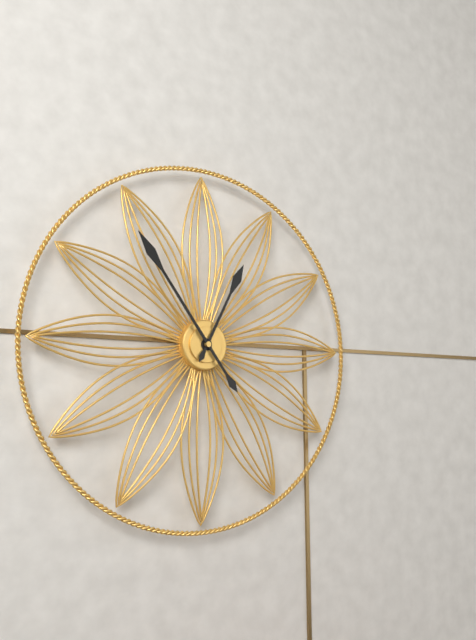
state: 12:54
